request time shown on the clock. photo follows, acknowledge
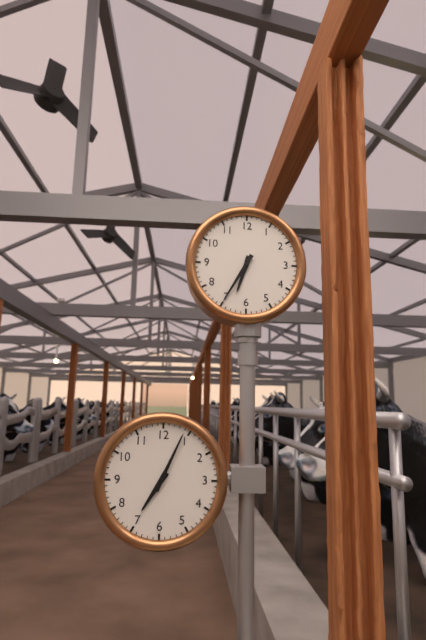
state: 6:35
